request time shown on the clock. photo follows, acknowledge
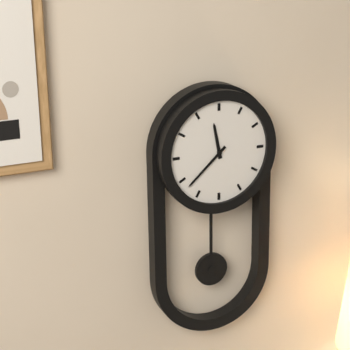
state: 11:38
